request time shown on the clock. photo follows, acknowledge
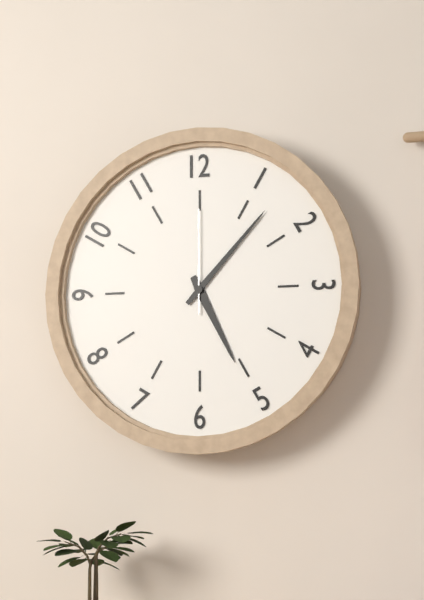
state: 5:07:00
